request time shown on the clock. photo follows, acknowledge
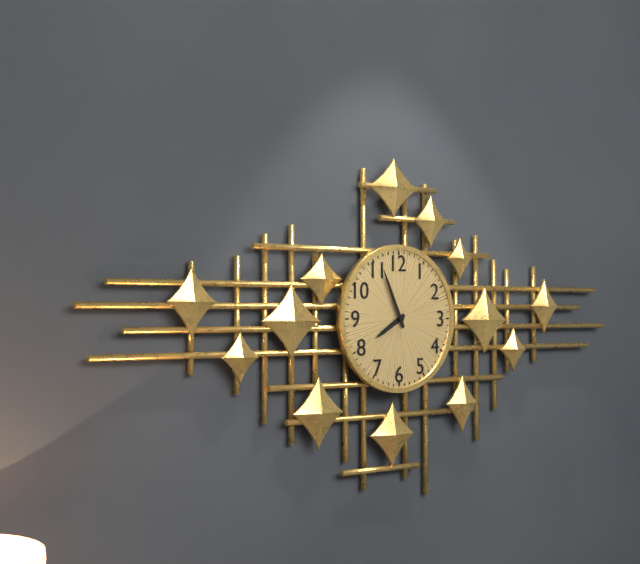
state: 7:56
